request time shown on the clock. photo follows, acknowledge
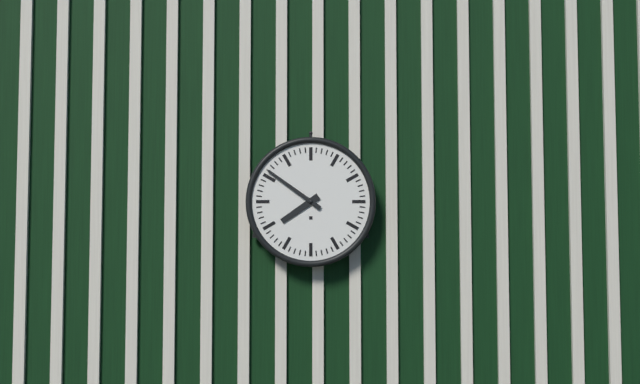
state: 7:51
